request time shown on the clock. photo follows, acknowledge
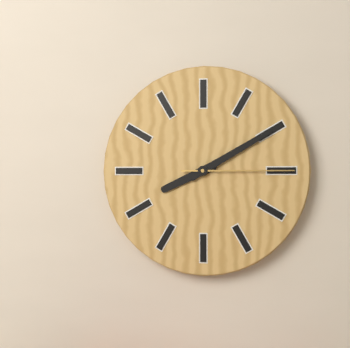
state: 8:10:15
